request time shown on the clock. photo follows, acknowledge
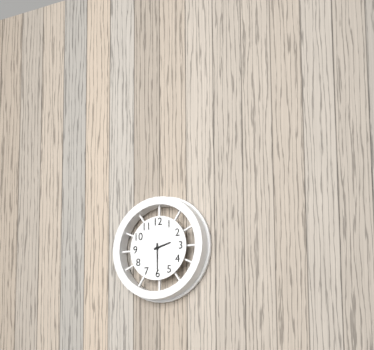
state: 2:30
